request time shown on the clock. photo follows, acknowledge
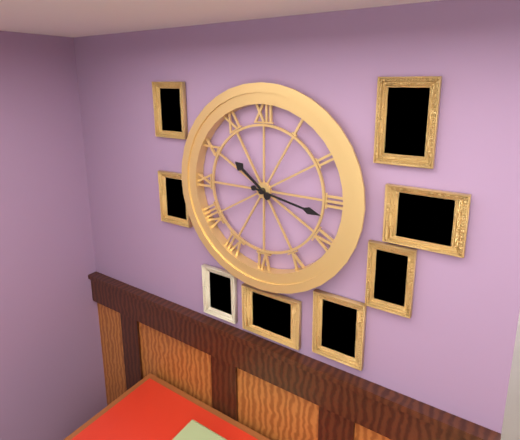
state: 10:17
